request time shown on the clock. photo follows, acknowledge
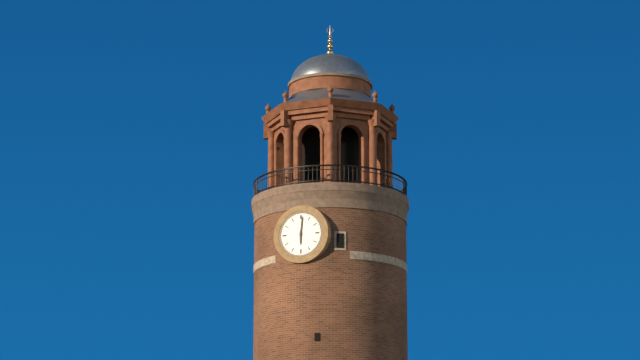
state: 6:01
